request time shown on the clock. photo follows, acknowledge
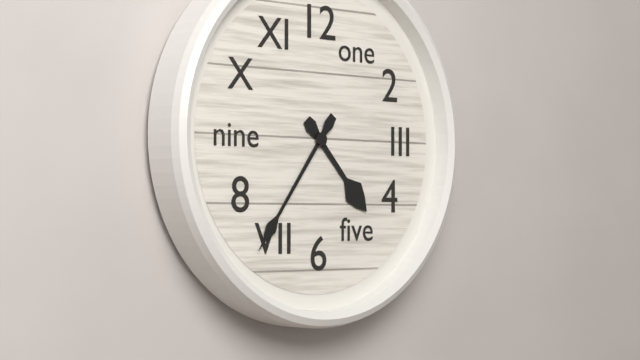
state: 4:36
